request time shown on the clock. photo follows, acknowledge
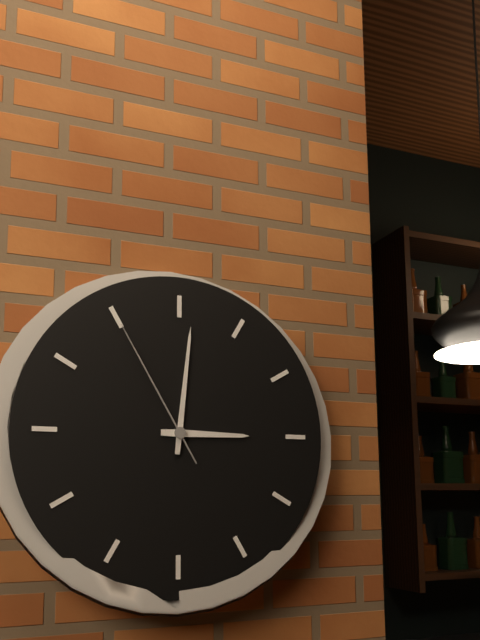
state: 3:01:55
